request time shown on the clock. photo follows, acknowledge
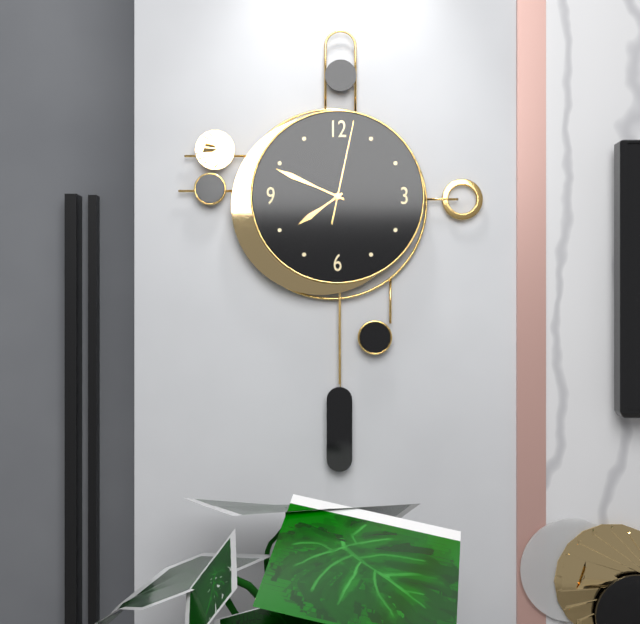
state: 7:49:02
